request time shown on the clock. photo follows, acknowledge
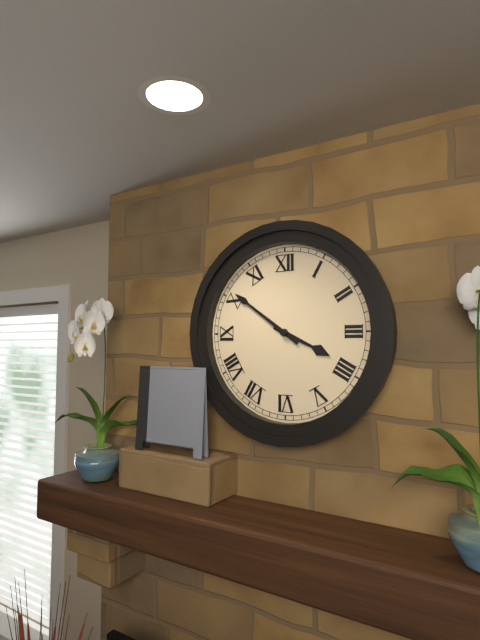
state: 3:51
